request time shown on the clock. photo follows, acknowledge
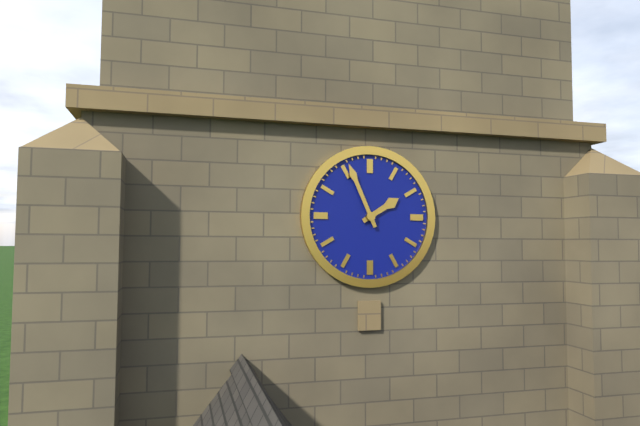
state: 1:56
